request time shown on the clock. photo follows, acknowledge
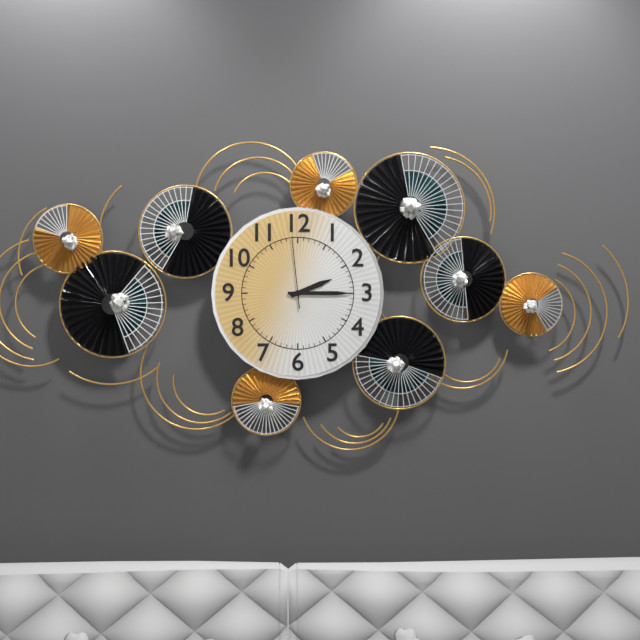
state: 2:15:59
